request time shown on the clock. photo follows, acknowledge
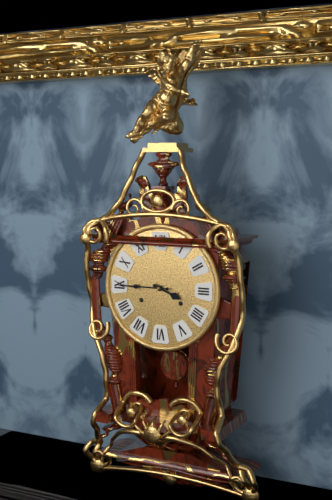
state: 3:45
